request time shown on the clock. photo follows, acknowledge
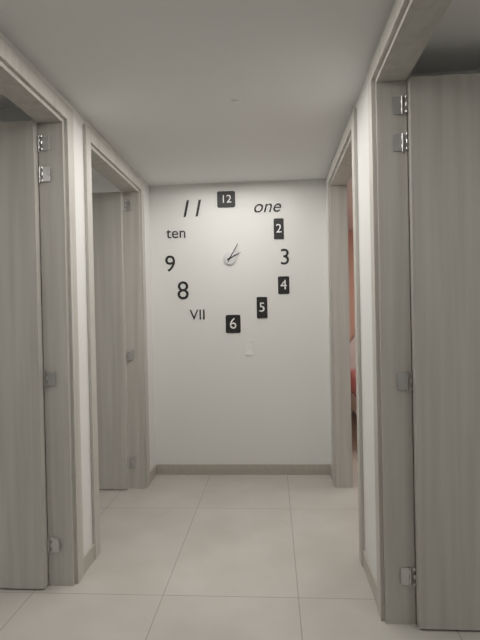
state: 2:05
